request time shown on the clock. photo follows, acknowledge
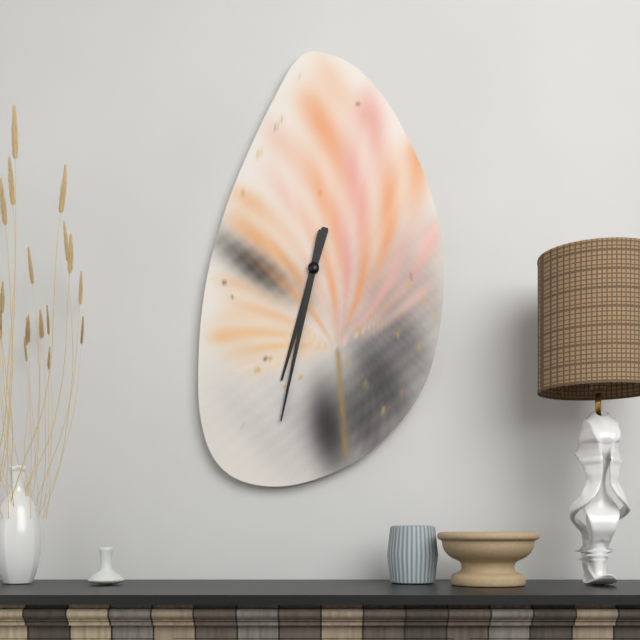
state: 6:32
